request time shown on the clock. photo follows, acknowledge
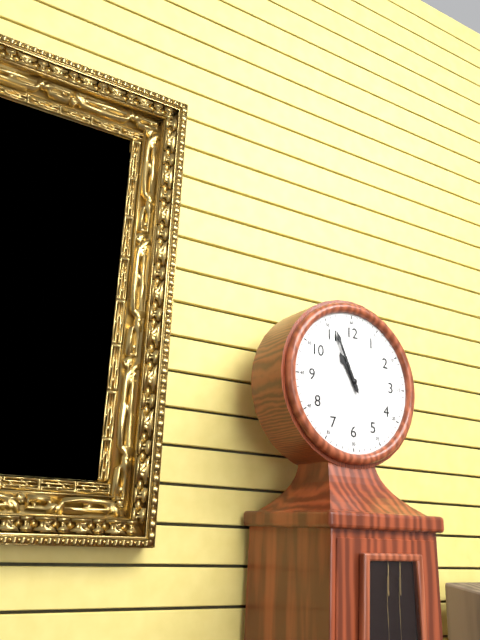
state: 10:56
